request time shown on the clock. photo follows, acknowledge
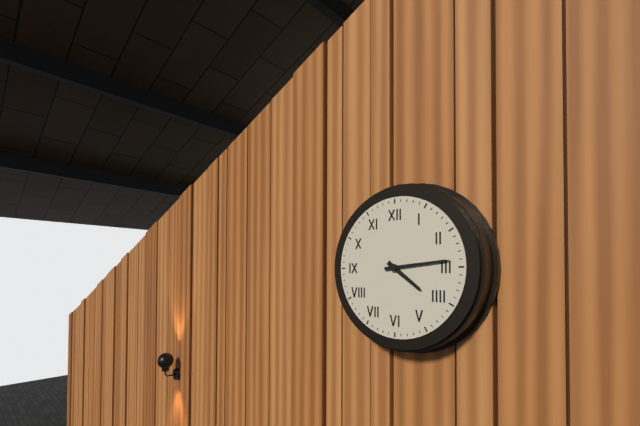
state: 4:14
